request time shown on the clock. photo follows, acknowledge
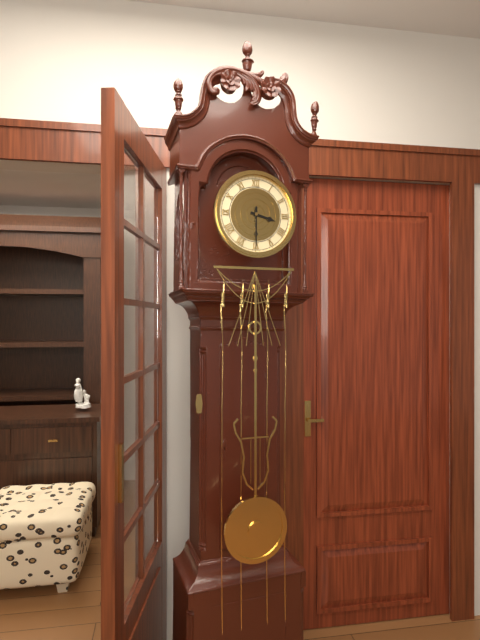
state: 3:30
